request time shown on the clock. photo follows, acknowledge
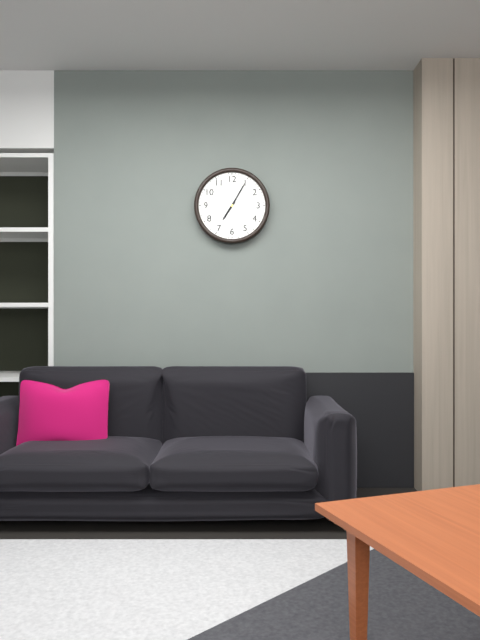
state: 7:05
